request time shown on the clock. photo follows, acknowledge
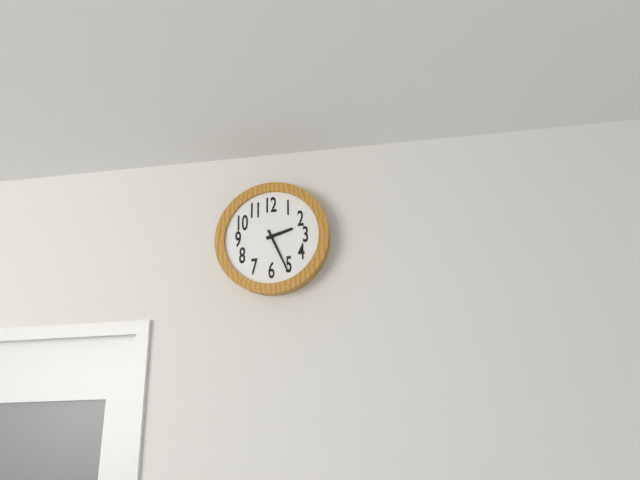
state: 2:26
